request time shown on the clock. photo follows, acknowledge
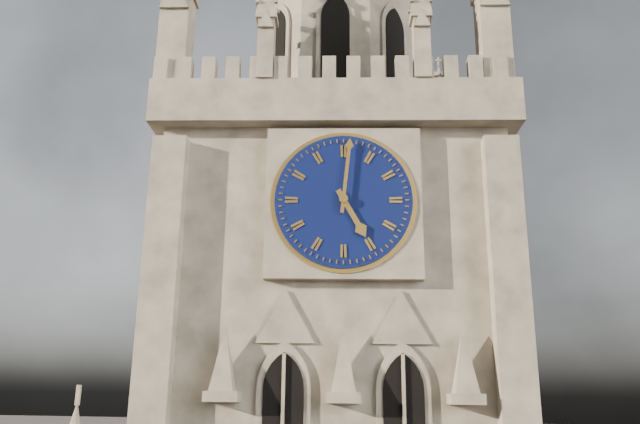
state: 5:01
